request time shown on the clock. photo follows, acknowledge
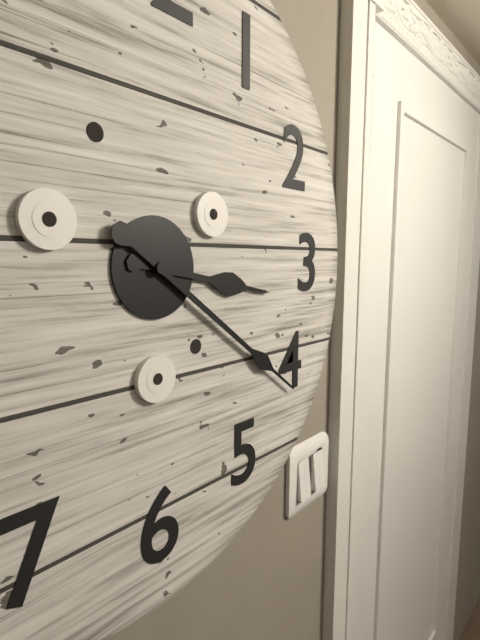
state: 3:21
